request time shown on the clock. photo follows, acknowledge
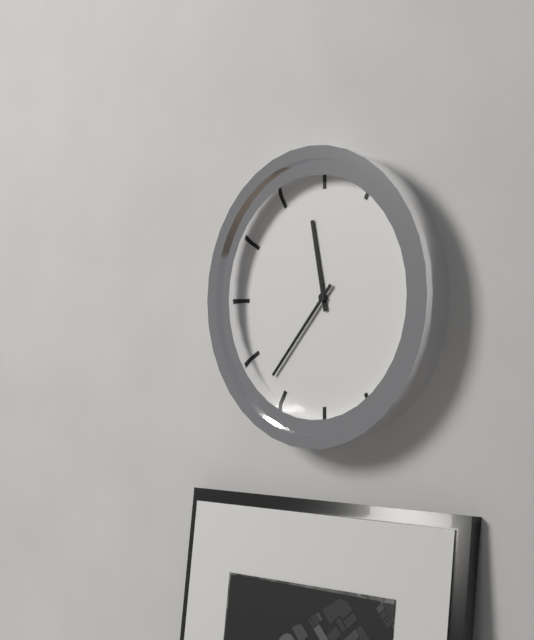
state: 11:37
